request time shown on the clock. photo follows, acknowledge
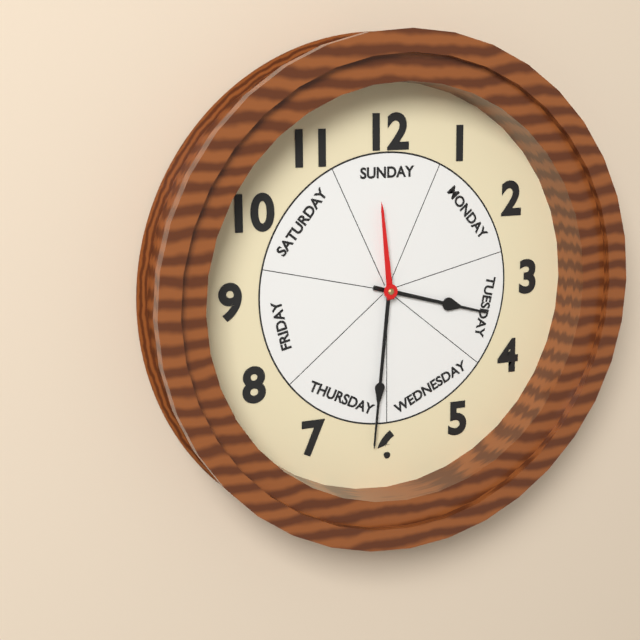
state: 3:31:59
